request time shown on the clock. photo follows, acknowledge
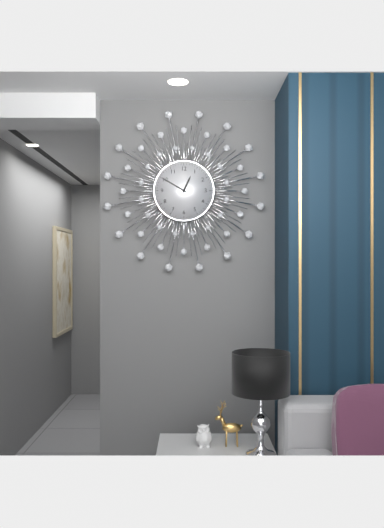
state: 12:50
